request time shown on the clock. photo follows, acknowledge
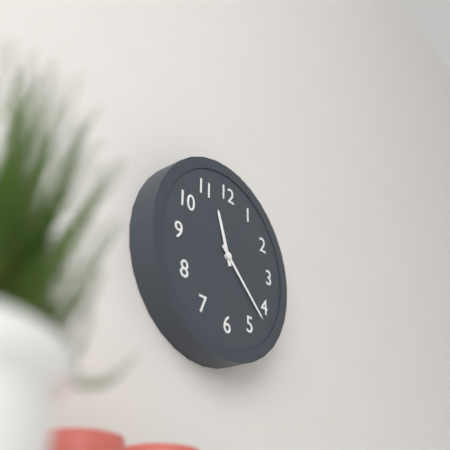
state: 11:22
